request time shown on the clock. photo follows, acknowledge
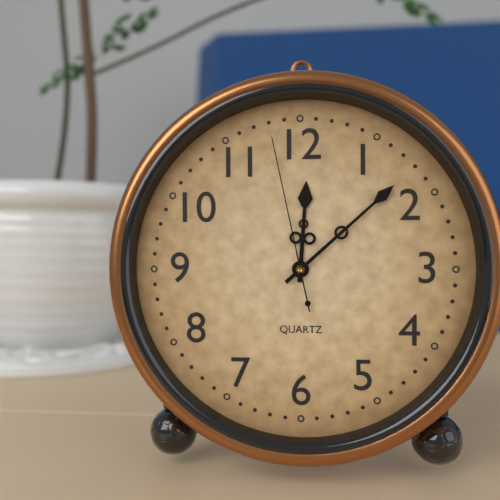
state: 12:08:58
